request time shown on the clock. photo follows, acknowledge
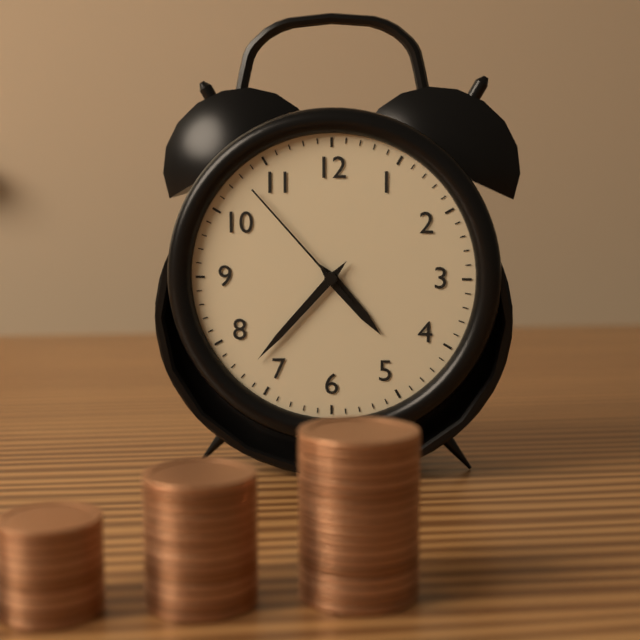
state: 4:37:53
